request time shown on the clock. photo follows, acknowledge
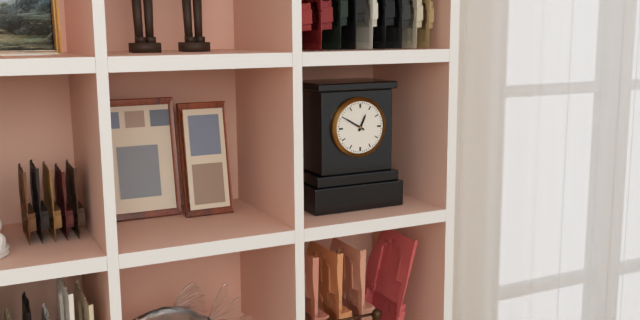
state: 12:50
